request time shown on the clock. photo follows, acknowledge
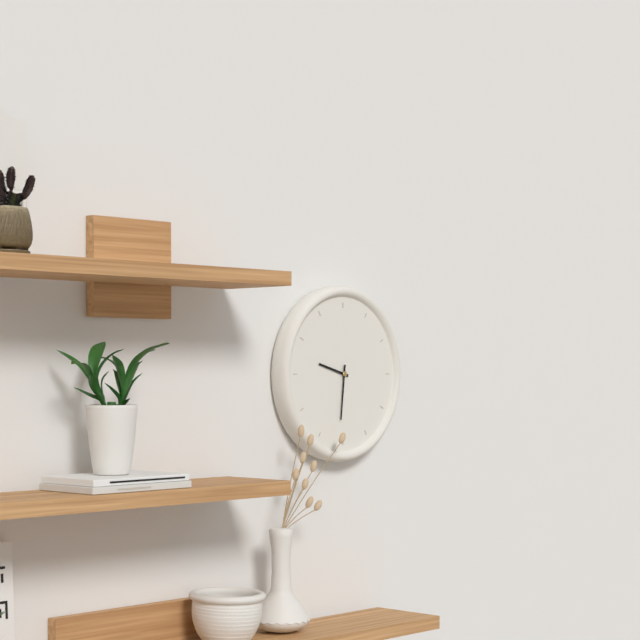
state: 9:31
